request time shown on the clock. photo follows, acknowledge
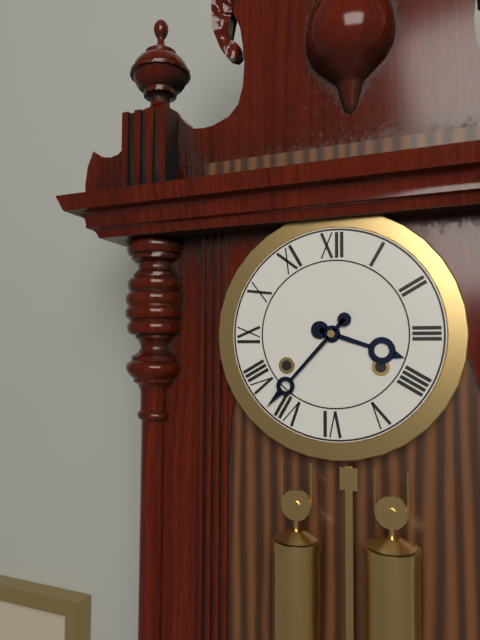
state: 3:37
